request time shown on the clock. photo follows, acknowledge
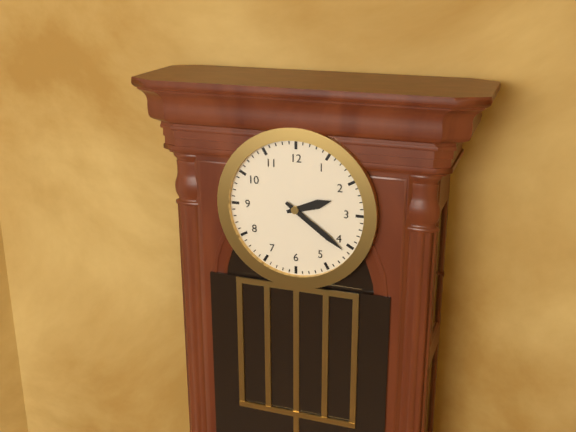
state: 2:21
